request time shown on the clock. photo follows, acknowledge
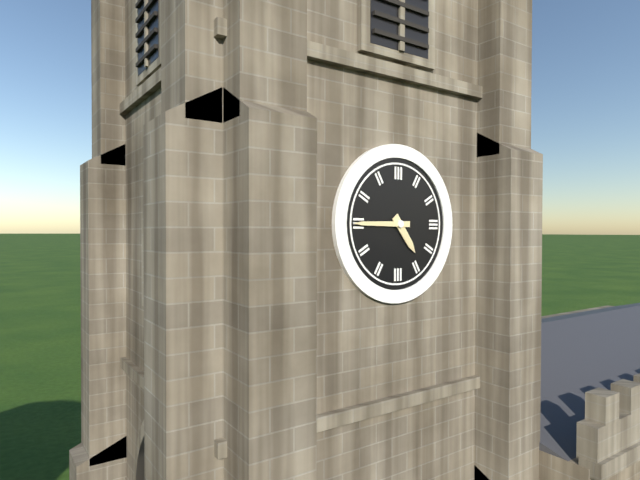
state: 4:45
